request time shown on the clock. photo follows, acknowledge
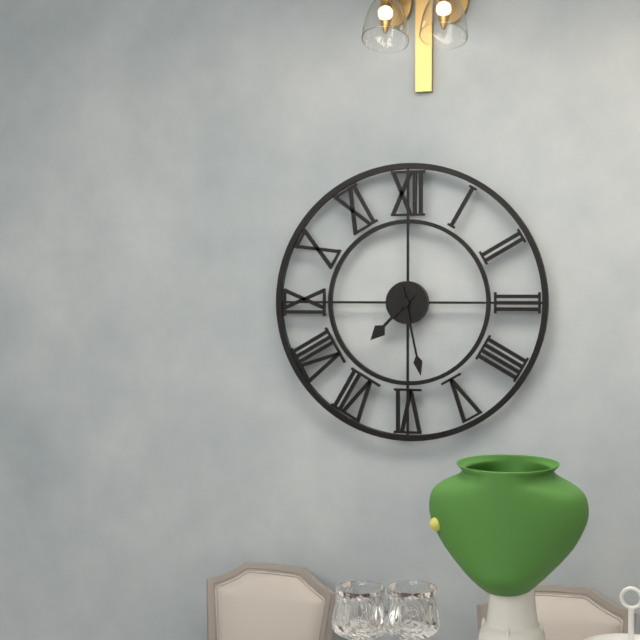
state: 7:28
